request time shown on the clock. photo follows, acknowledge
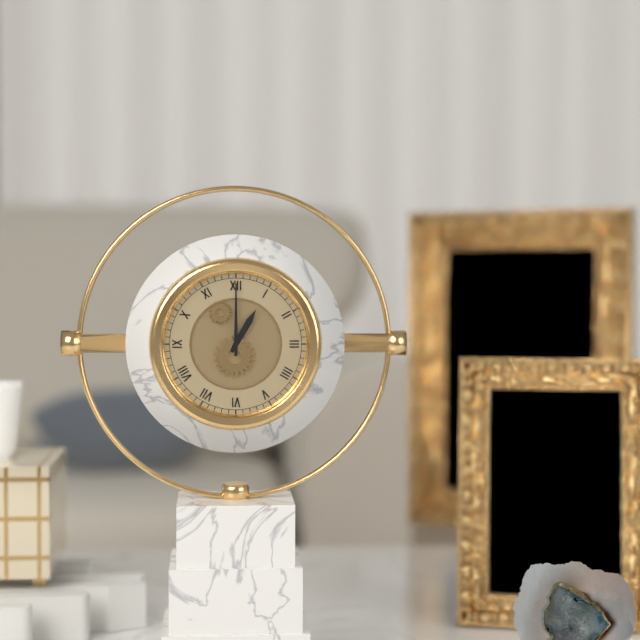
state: 1:00
